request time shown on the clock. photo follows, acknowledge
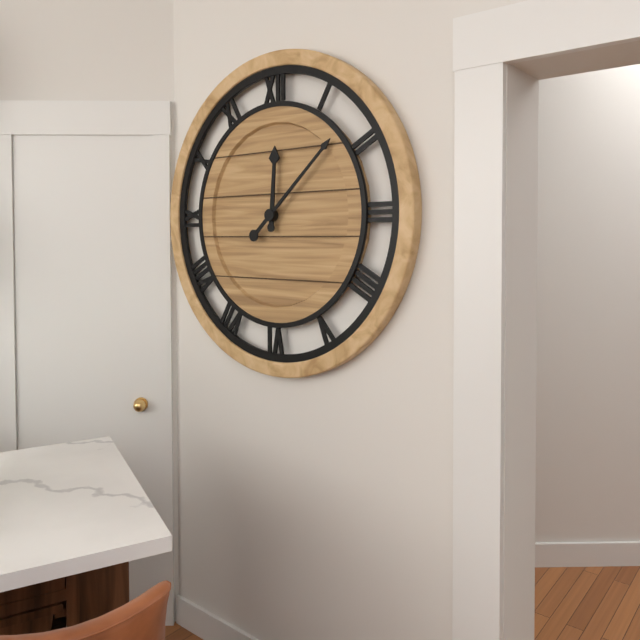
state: 12:08
